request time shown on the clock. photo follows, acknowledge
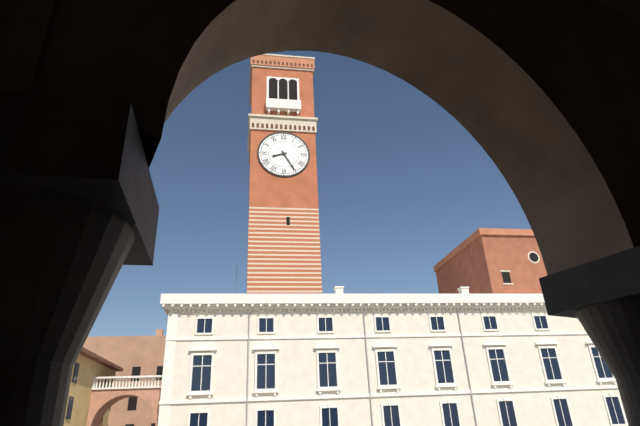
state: 8:25
